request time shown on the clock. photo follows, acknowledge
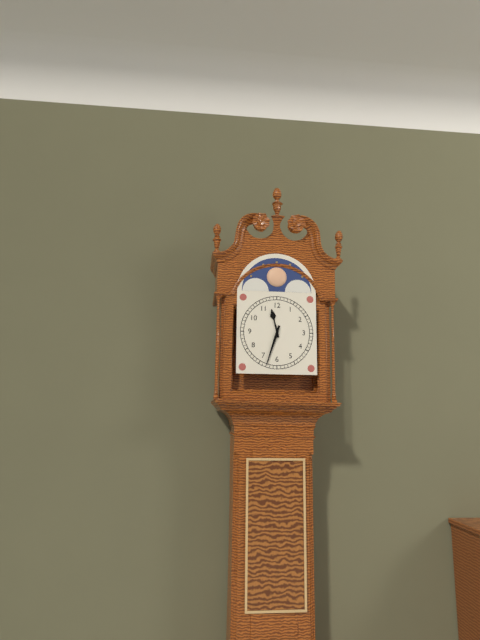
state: 11:33
